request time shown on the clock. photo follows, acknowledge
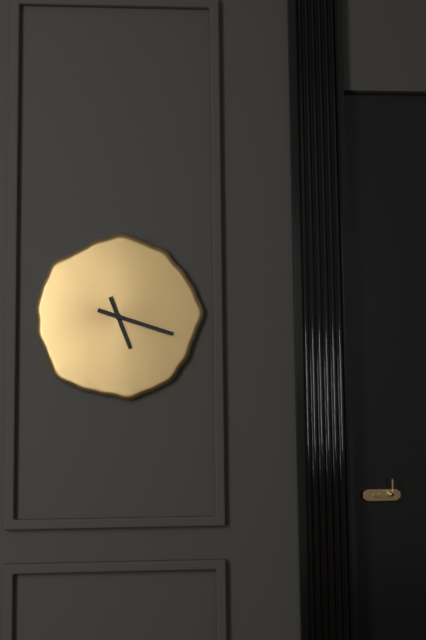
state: 5:18
